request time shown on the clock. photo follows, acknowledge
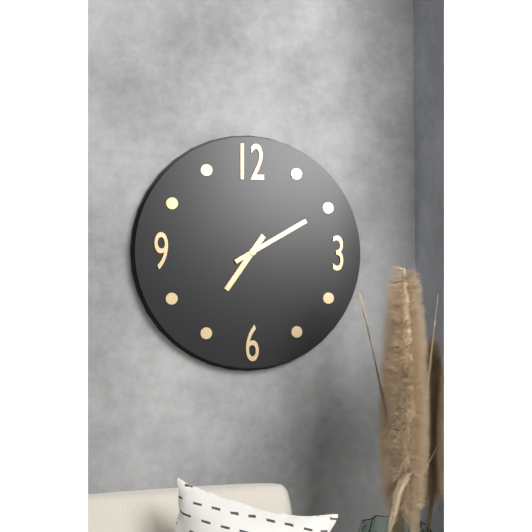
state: 7:10
